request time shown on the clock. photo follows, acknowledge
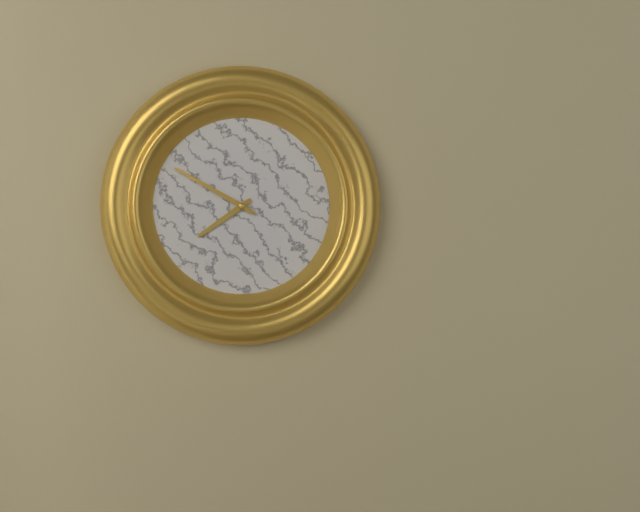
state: 7:50
